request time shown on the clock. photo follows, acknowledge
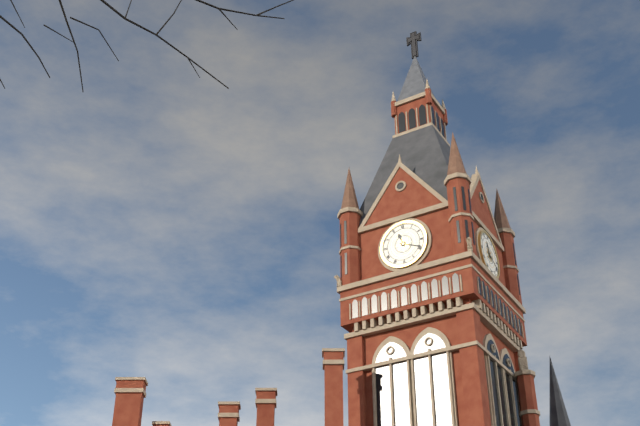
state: 11:19
